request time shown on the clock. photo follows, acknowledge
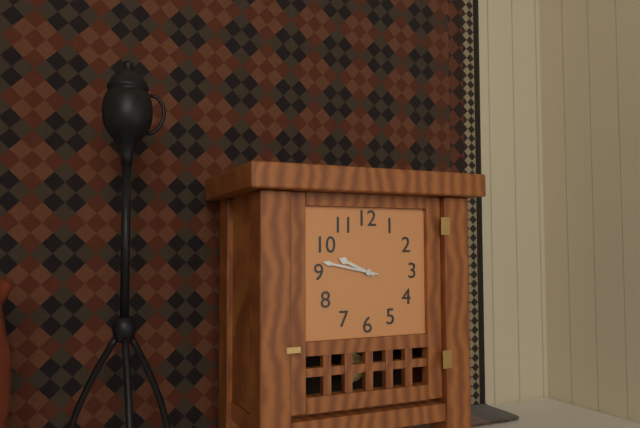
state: 9:47
